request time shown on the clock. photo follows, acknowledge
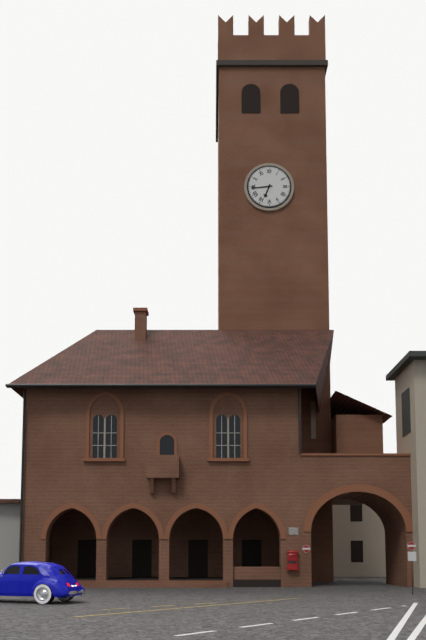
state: 6:44
